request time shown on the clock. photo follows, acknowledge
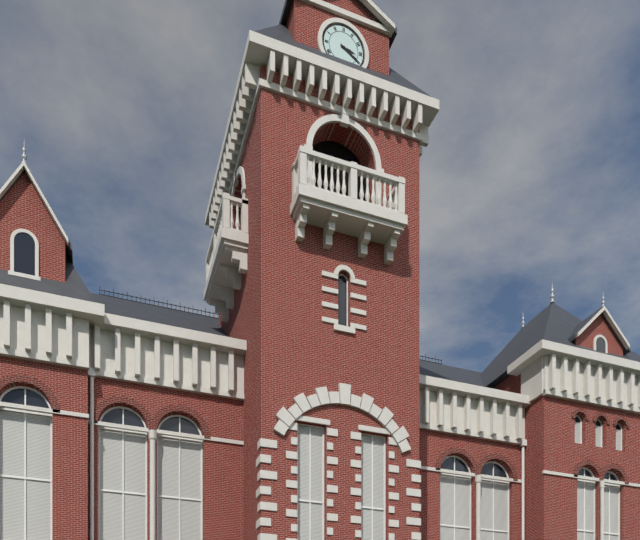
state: 3:20
